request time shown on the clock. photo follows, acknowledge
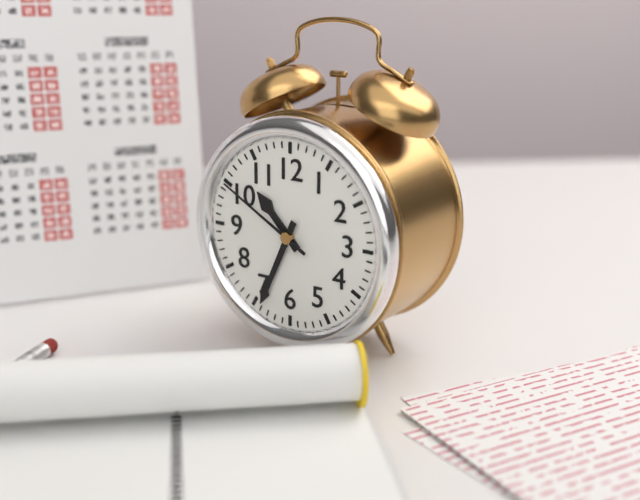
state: 10:34:50
